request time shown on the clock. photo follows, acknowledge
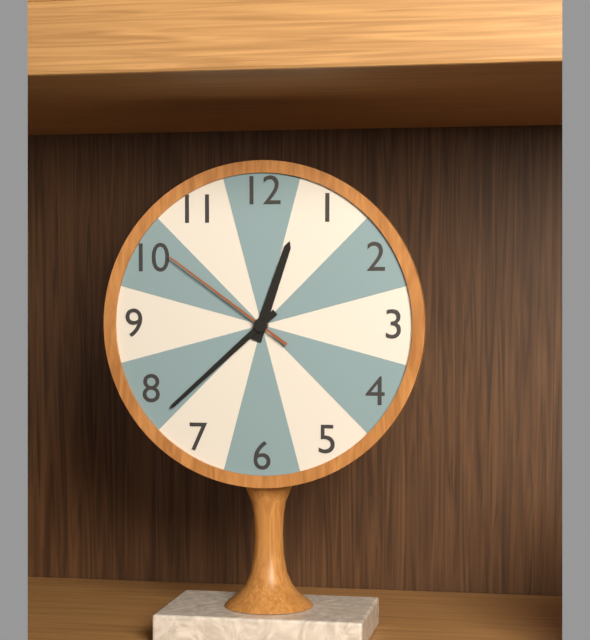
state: 12:38:51
